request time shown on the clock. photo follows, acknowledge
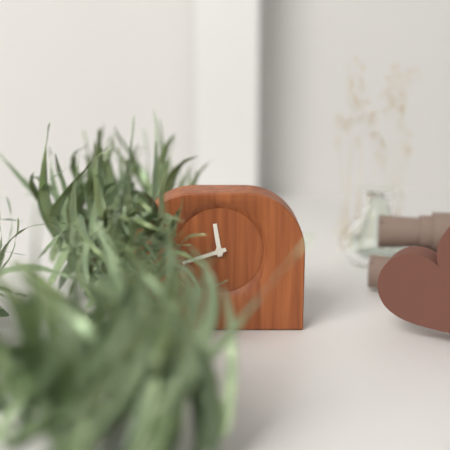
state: 11:42
